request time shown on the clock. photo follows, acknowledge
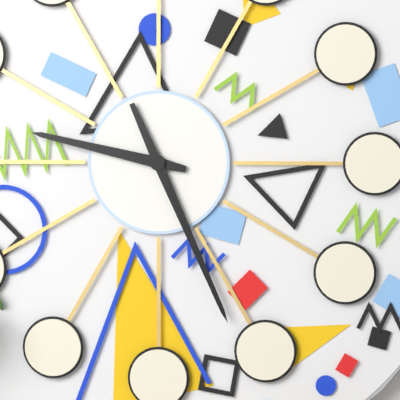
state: 9:26
